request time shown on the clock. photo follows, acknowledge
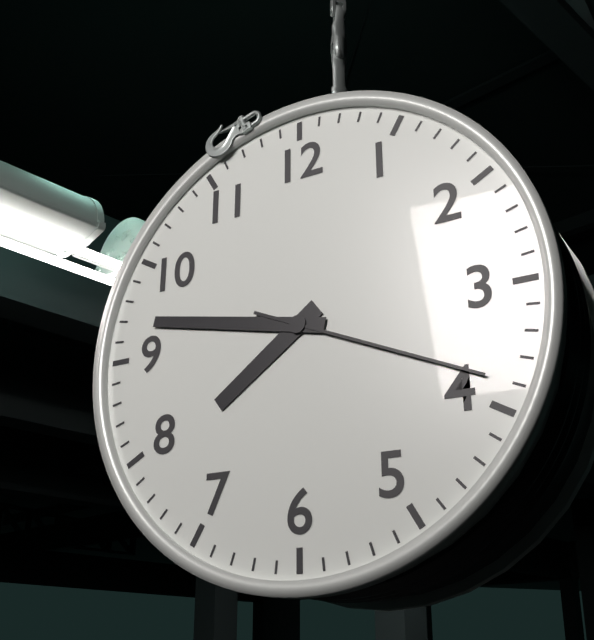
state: 7:47:19
